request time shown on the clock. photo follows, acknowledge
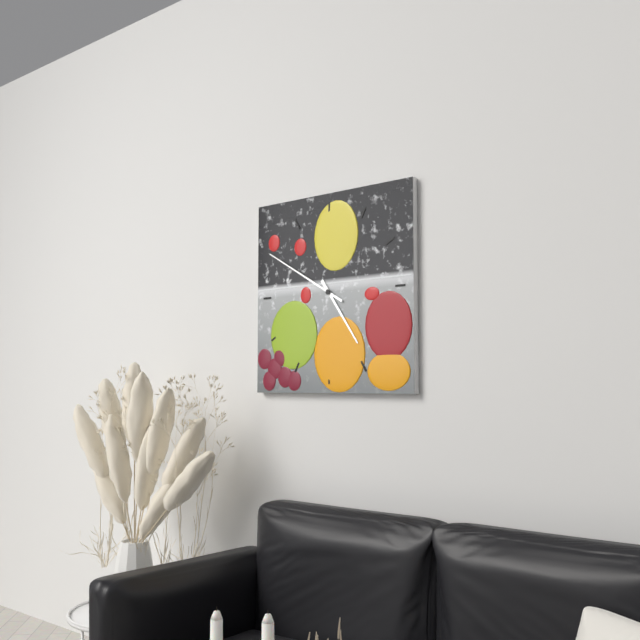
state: 4:50
